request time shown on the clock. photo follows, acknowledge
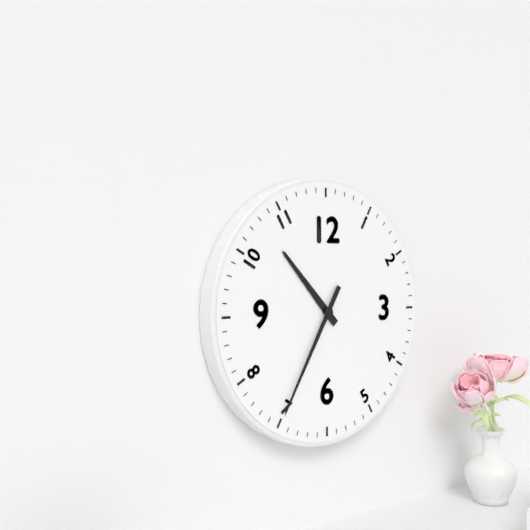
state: 10:35
